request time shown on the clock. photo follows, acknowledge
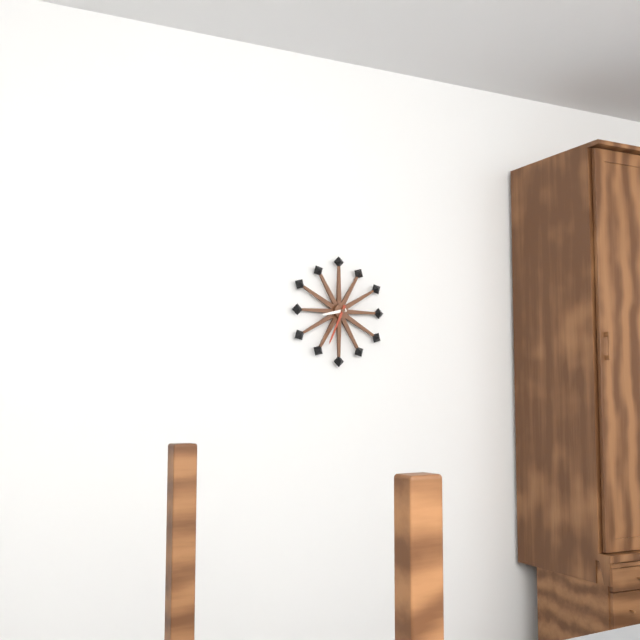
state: 8:34
